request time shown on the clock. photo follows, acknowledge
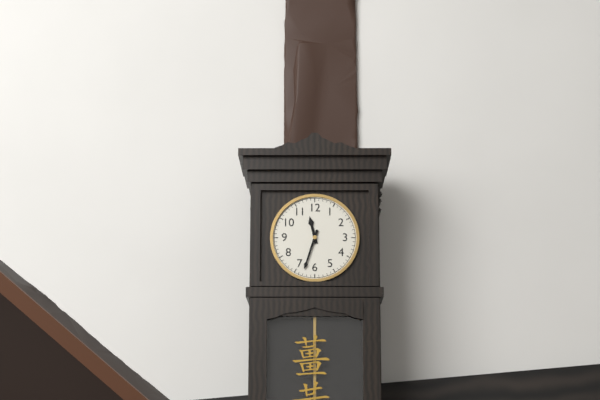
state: 11:33
